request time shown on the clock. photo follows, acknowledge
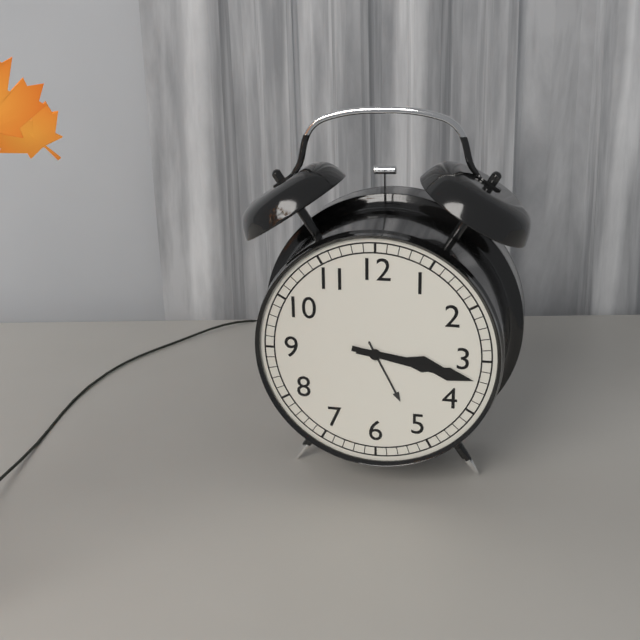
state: 3:17
